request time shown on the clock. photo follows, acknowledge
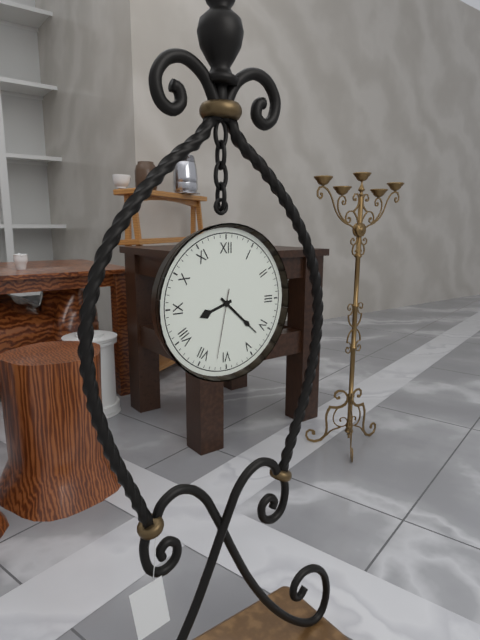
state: 8:22:32
